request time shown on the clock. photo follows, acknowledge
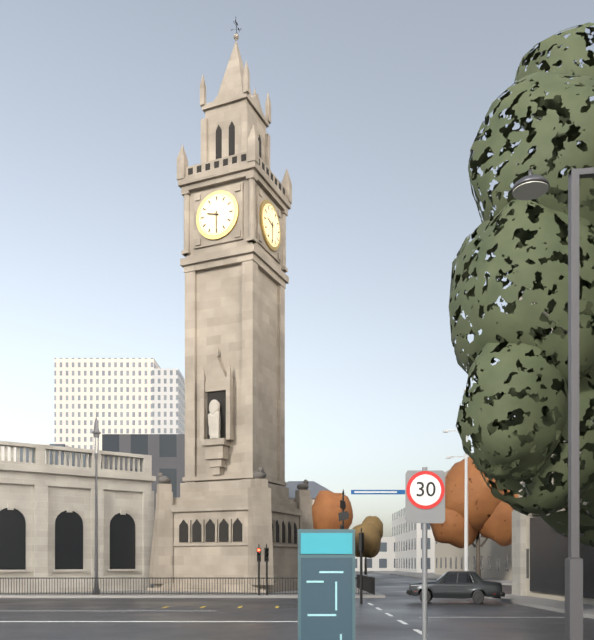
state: 9:30
